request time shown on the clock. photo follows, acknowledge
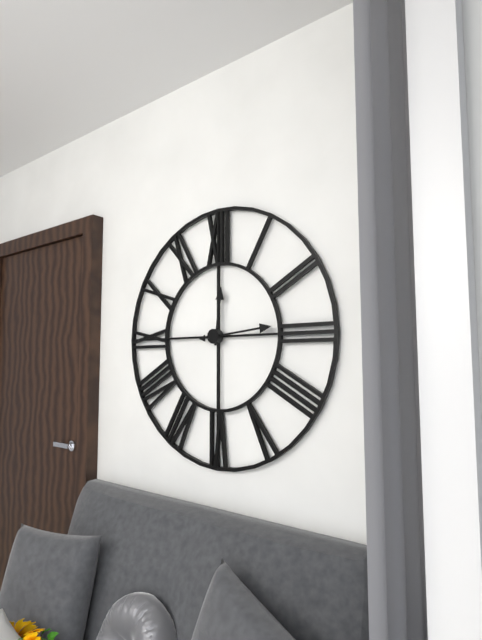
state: 12:14
